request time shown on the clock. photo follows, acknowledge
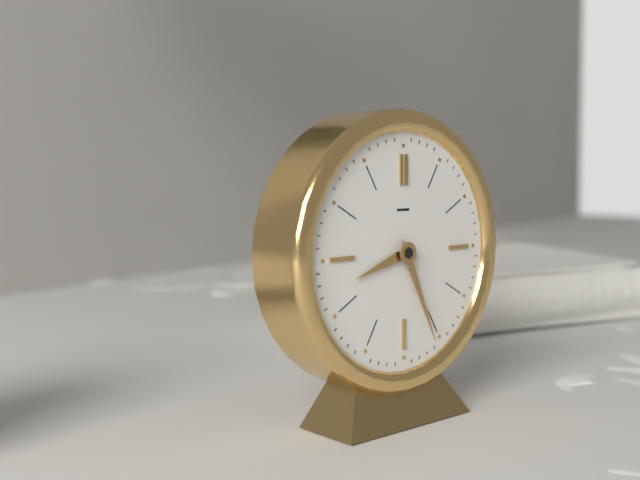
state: 8:26
